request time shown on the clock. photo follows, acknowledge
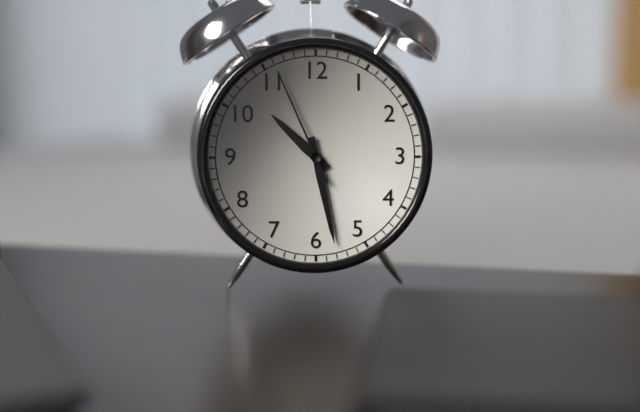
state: 10:28:56
